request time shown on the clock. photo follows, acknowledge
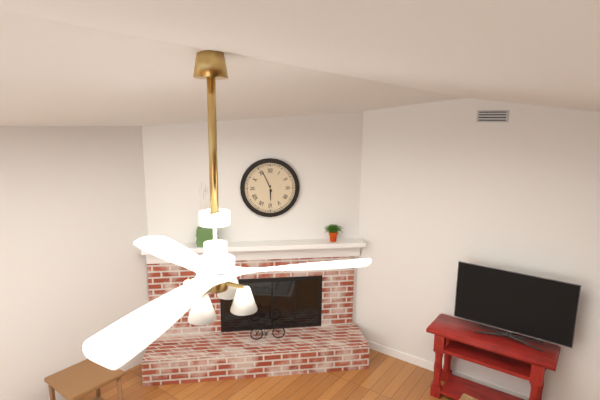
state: 5:56
